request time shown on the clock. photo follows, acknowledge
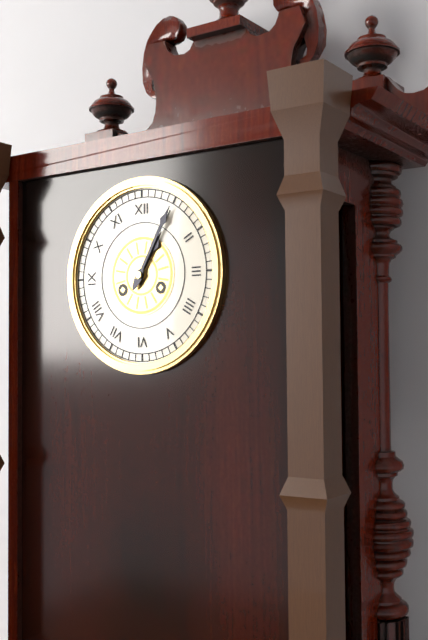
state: 1:05
